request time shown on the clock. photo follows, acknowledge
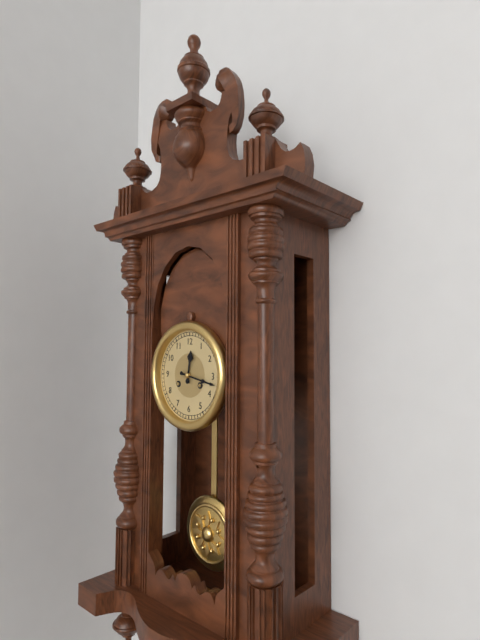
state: 12:17
